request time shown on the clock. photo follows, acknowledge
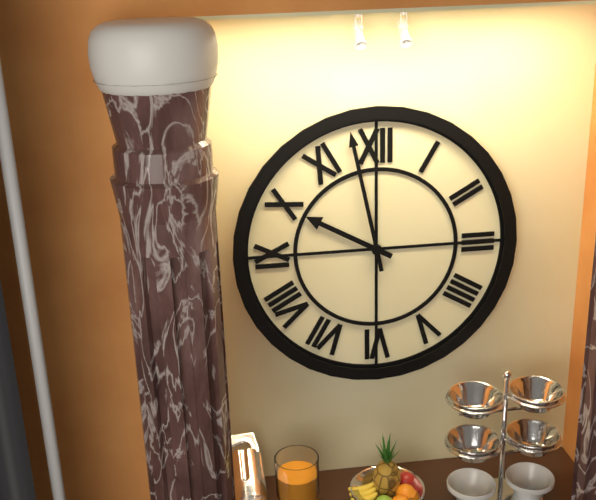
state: 9:58
